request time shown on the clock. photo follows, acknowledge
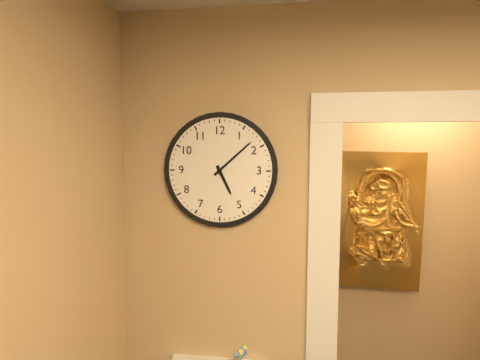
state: 5:08
